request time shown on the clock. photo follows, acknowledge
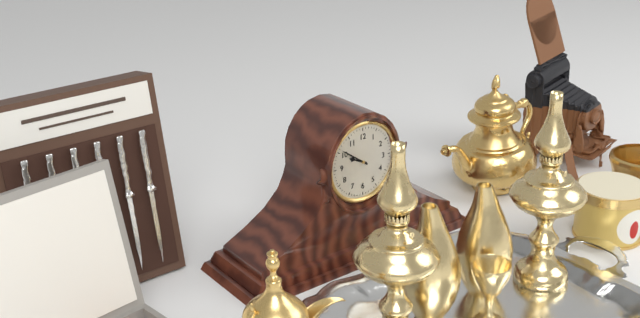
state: 9:51
